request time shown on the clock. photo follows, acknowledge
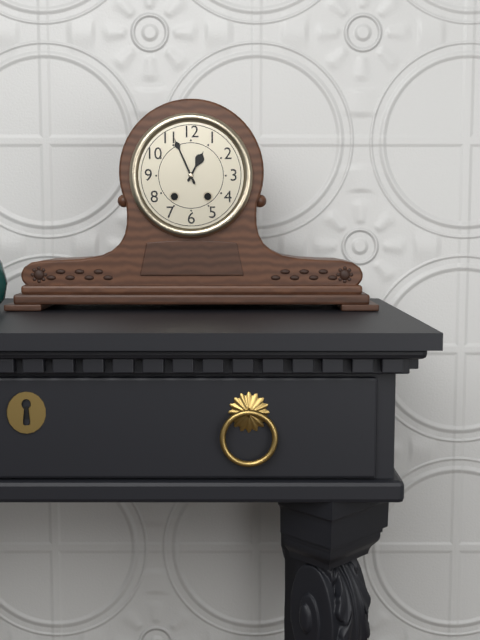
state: 12:56
